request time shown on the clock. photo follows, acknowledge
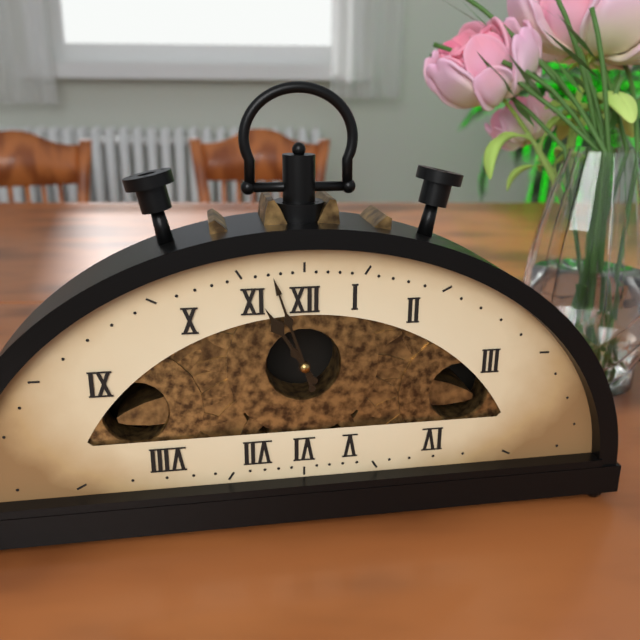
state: 10:57
